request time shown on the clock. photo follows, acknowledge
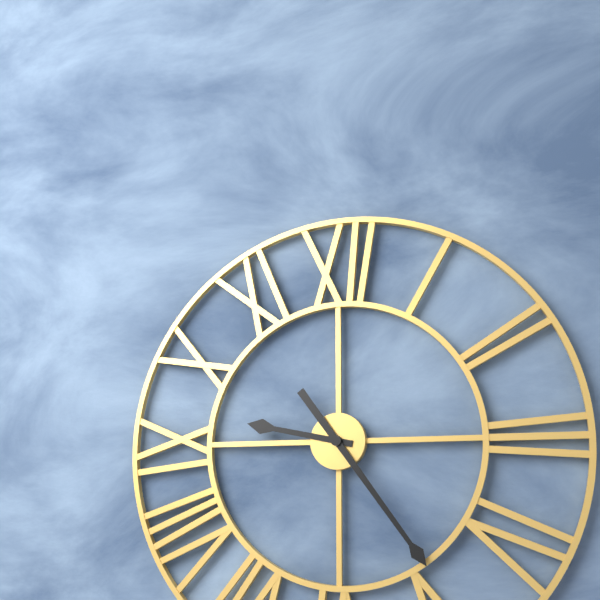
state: 9:24
